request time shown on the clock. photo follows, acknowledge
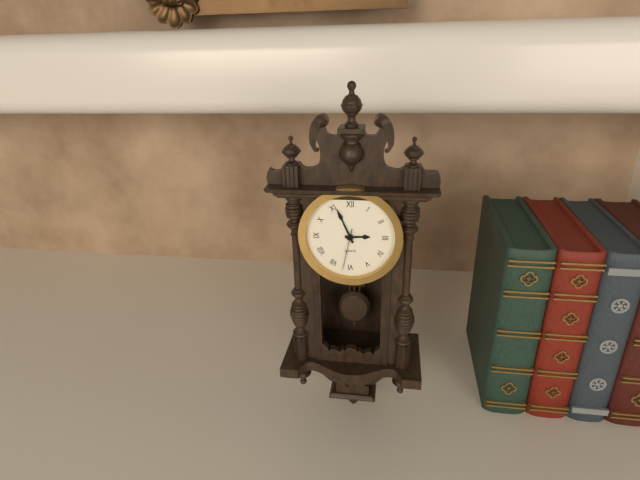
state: 2:56
